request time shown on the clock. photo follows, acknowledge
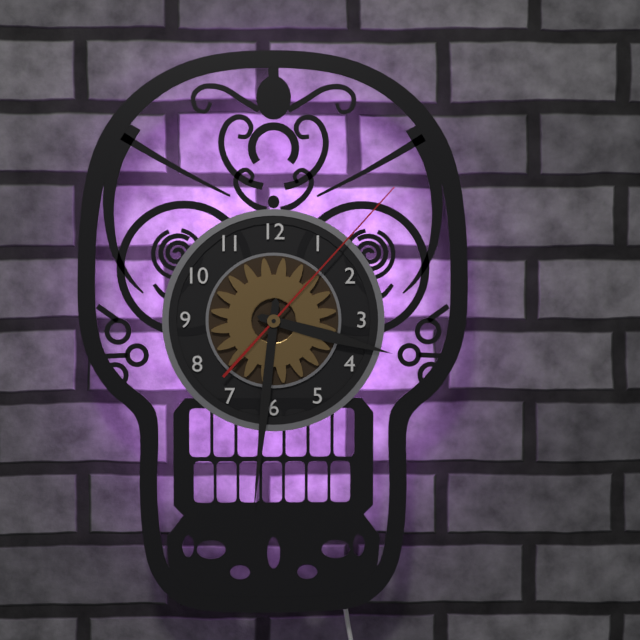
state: 3:31:07
